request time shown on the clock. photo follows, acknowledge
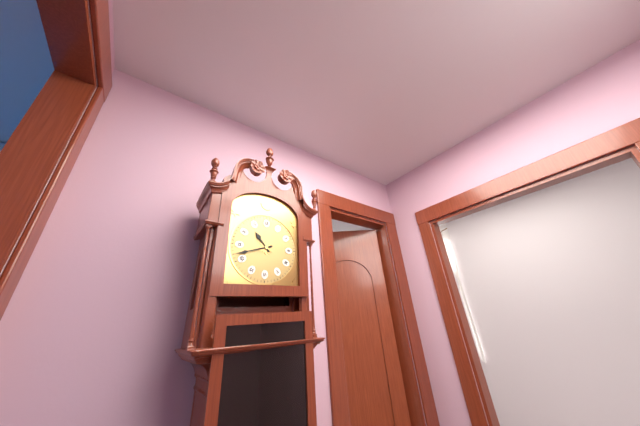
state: 10:42
